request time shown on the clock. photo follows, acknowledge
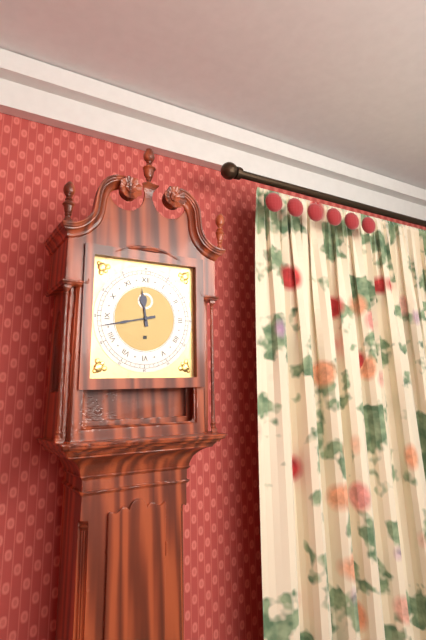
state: 11:43
